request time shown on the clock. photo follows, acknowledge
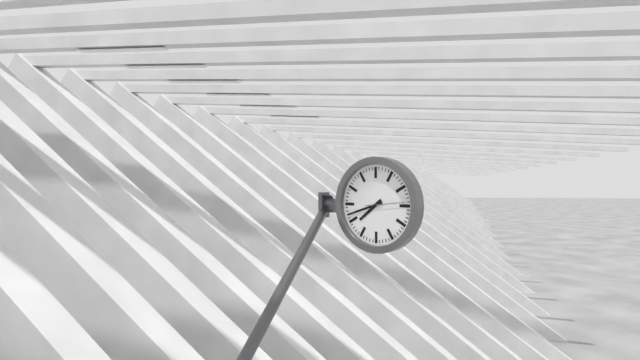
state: 7:42
